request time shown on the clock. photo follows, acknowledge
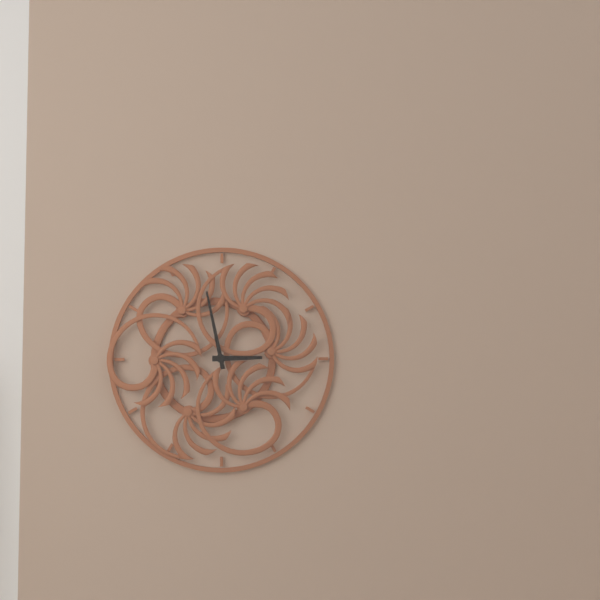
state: 2:58
